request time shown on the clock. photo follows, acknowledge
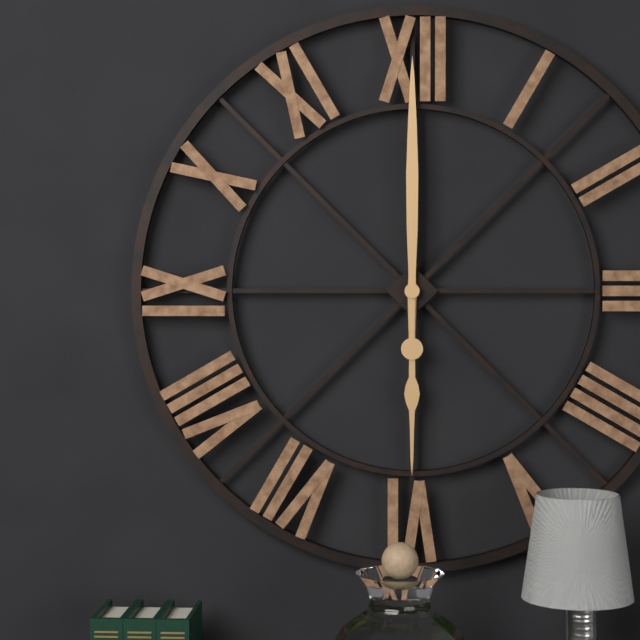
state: 6:00
